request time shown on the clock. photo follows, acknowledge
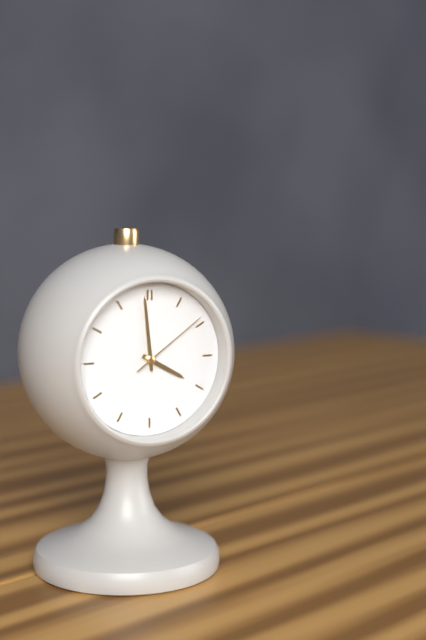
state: 3:59:09
